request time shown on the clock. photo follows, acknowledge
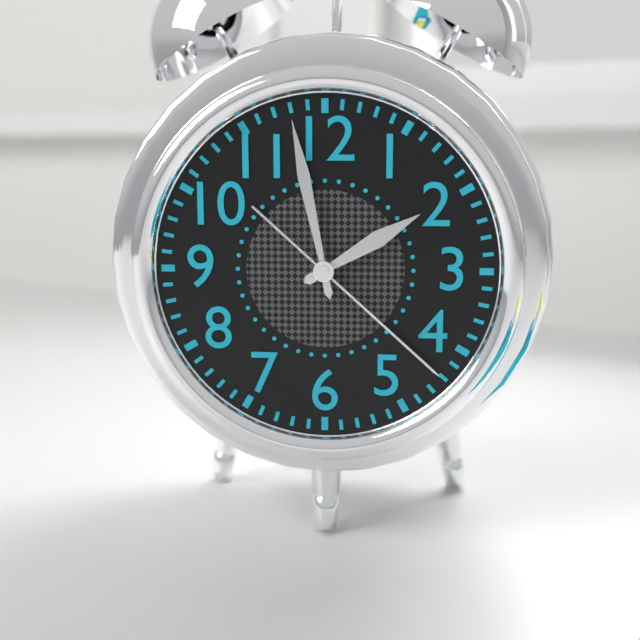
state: 1:58:22
